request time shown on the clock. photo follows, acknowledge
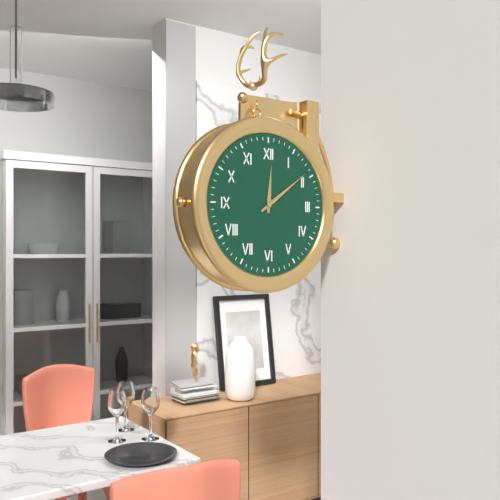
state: 12:09
